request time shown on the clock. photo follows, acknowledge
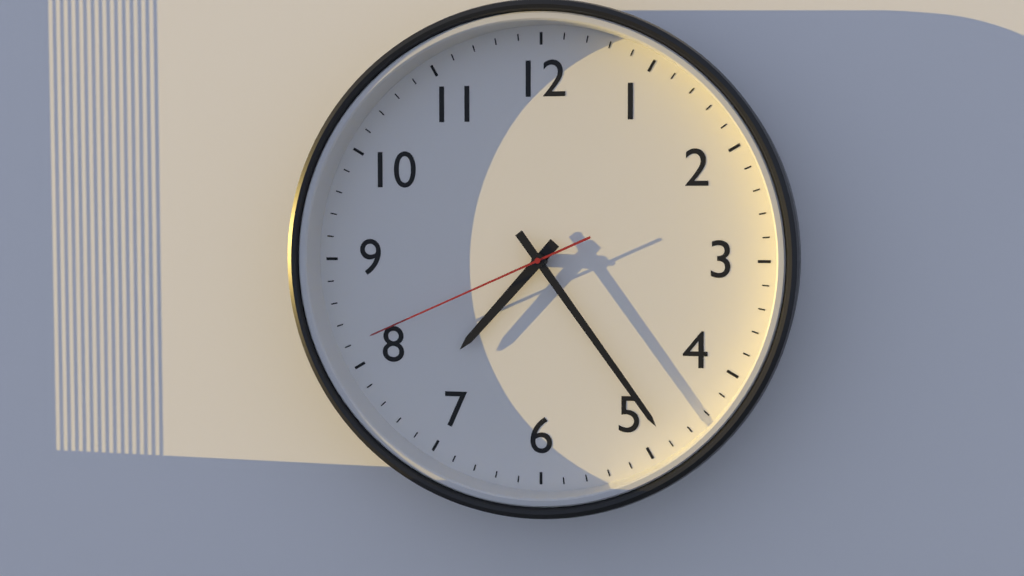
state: 7:24:41
